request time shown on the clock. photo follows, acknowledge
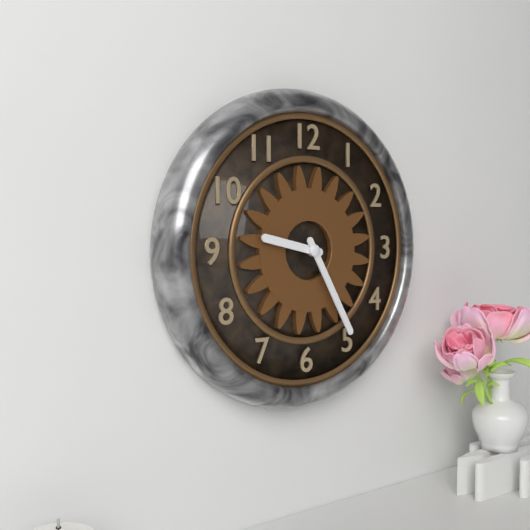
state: 9:25
